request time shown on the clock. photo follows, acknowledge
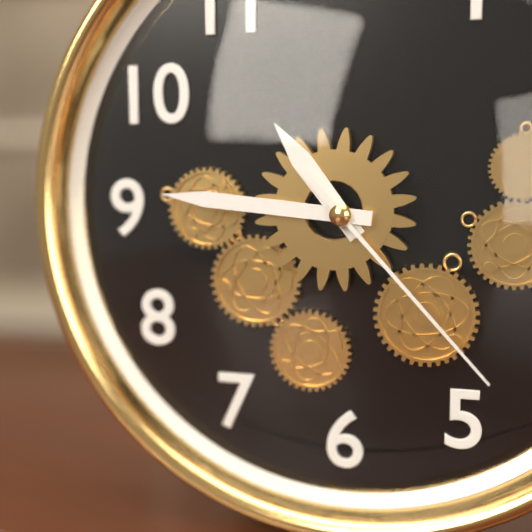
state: 10:46:23
